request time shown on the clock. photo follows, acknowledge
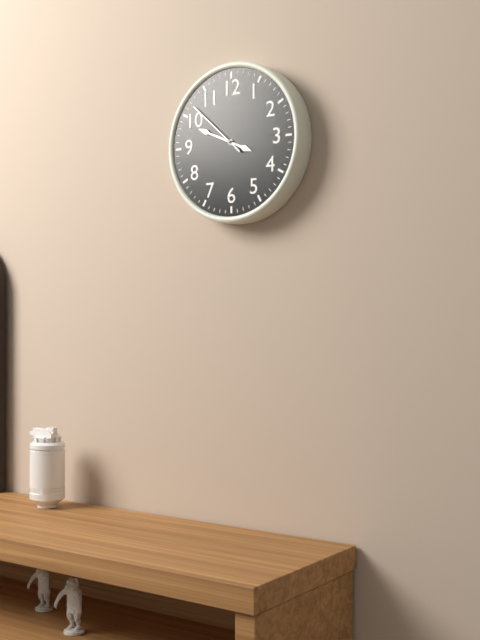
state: 3:49:52
